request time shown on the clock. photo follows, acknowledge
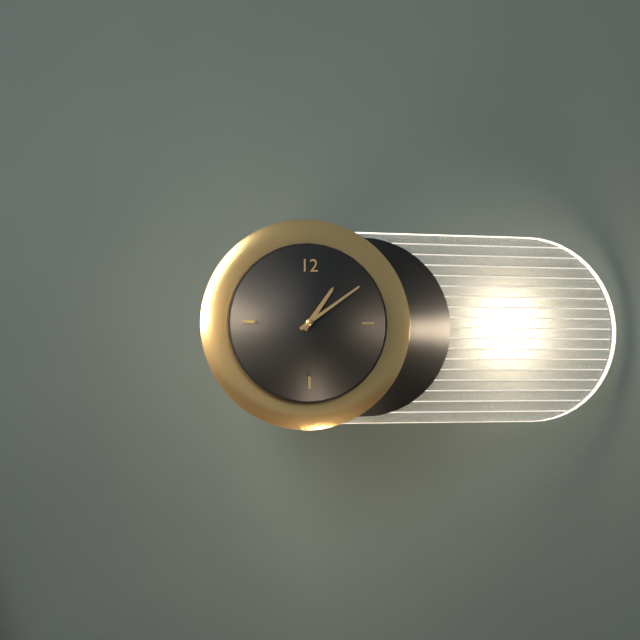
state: 1:09
